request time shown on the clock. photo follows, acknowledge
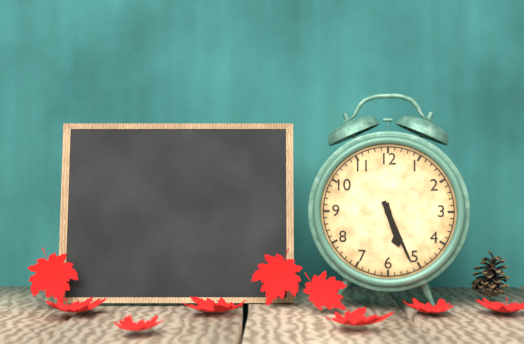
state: 5:26
